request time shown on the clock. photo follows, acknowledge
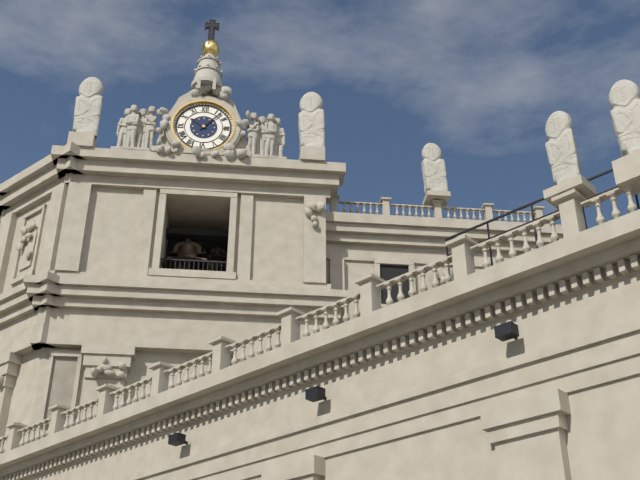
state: 10:07
